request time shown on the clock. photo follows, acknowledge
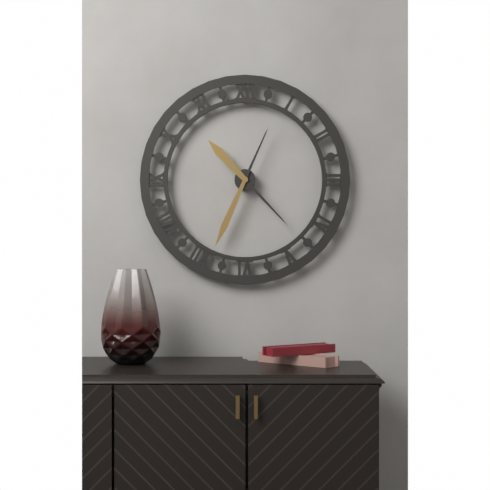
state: 10:34
